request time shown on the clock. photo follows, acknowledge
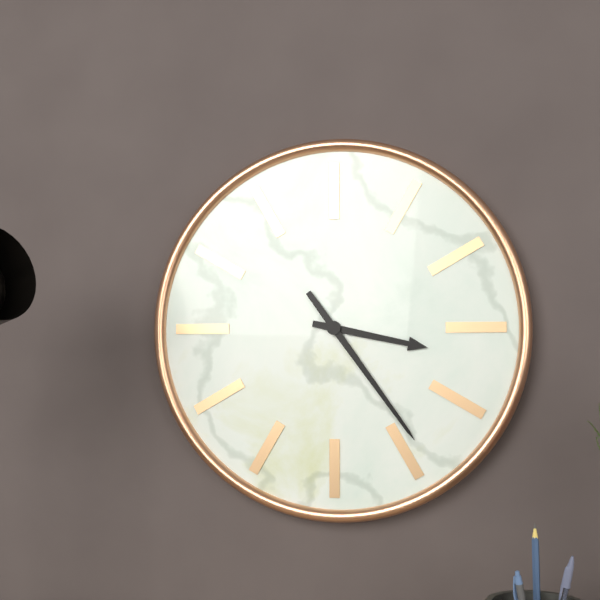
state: 3:24
